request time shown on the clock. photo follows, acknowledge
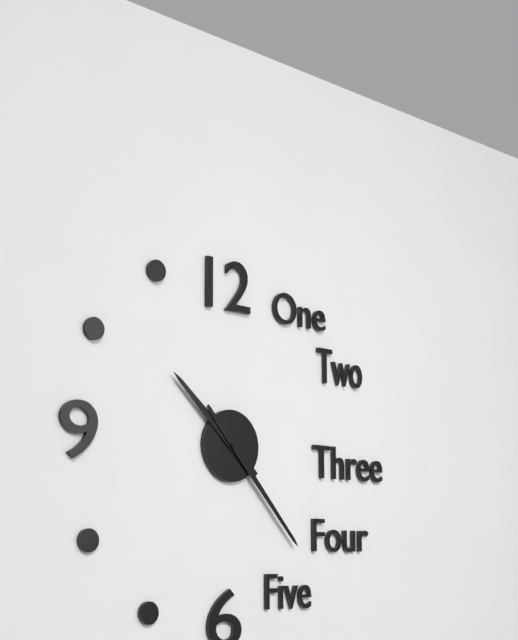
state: 10:23
